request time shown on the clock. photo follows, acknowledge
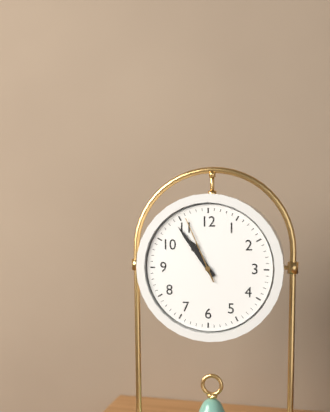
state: 10:54:56
